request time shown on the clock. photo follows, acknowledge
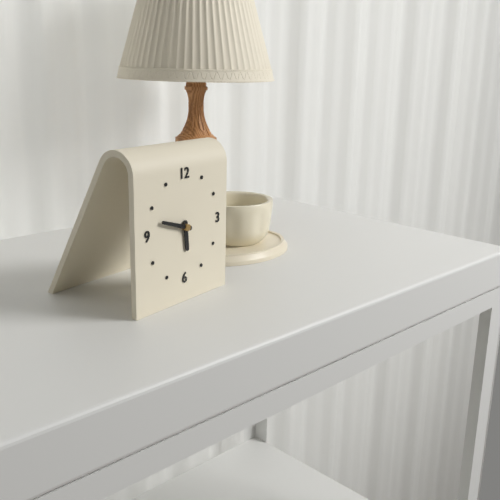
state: 5:48
